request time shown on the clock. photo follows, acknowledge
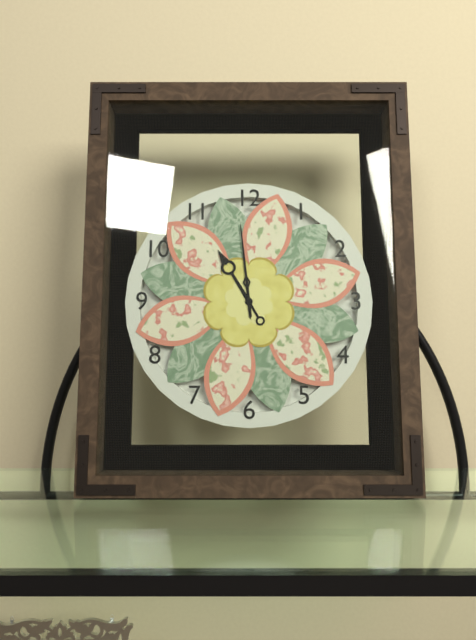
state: 10:59
